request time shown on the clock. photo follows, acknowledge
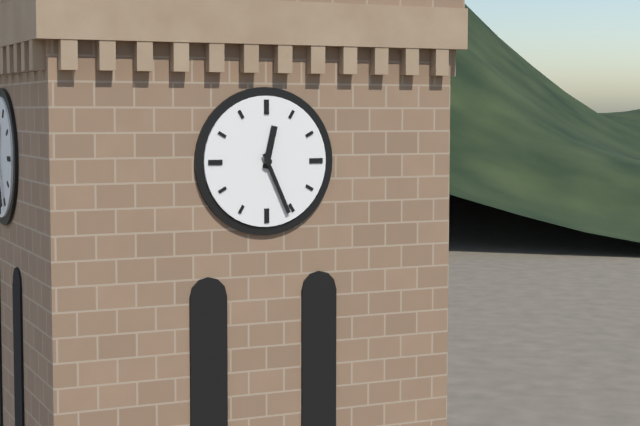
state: 12:26
